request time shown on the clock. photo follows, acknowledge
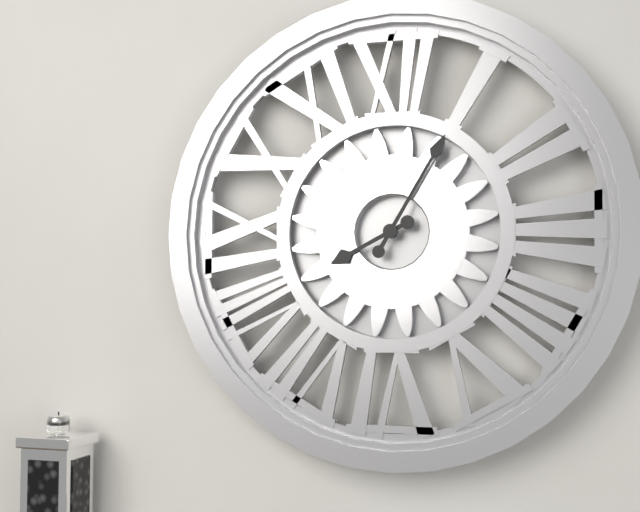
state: 8:05
